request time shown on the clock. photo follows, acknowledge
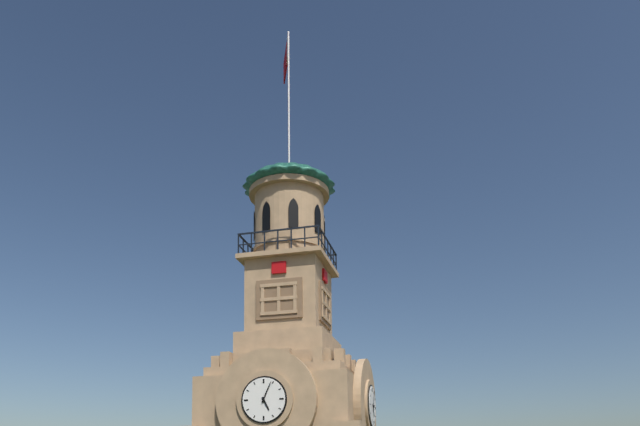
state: 5:04
